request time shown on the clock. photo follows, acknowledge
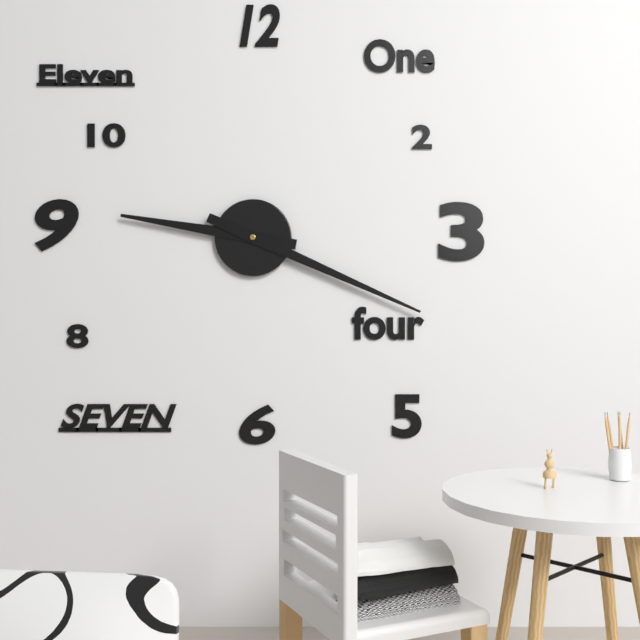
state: 9:19
